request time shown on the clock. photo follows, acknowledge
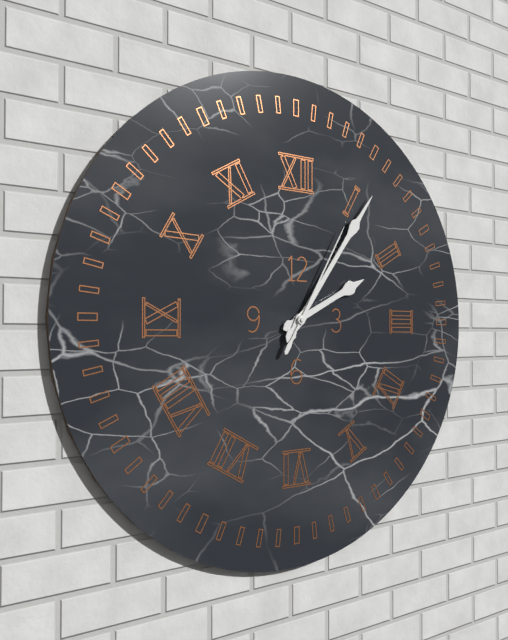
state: 2:06:05
